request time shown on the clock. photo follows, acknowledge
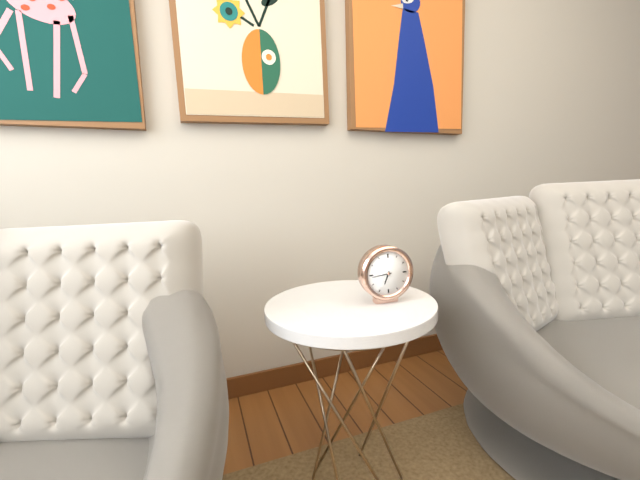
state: 6:44
